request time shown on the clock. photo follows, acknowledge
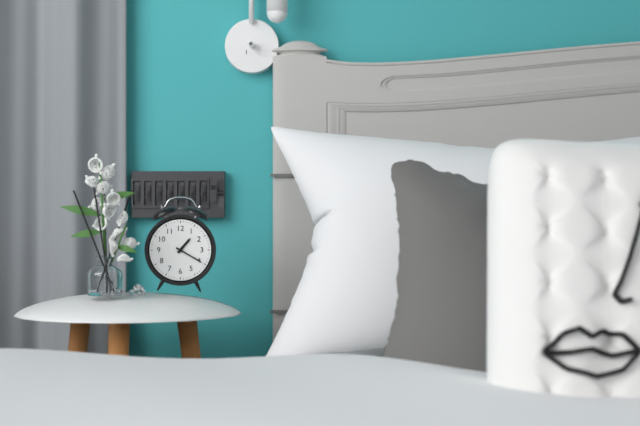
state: 1:20
